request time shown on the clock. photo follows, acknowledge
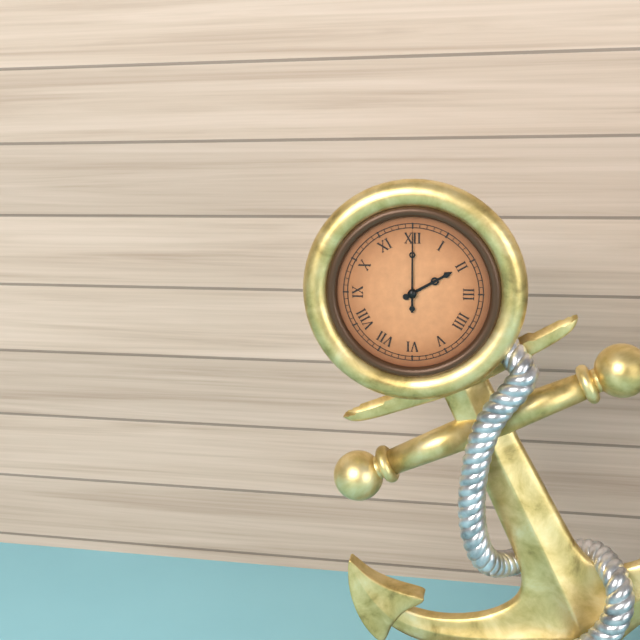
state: 2:00
